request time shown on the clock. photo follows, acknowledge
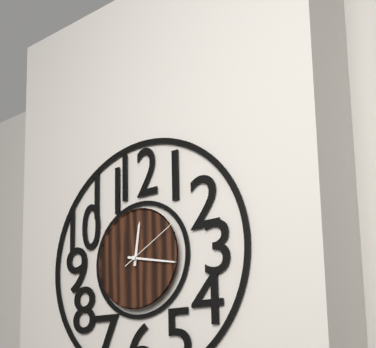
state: 12:17:10
